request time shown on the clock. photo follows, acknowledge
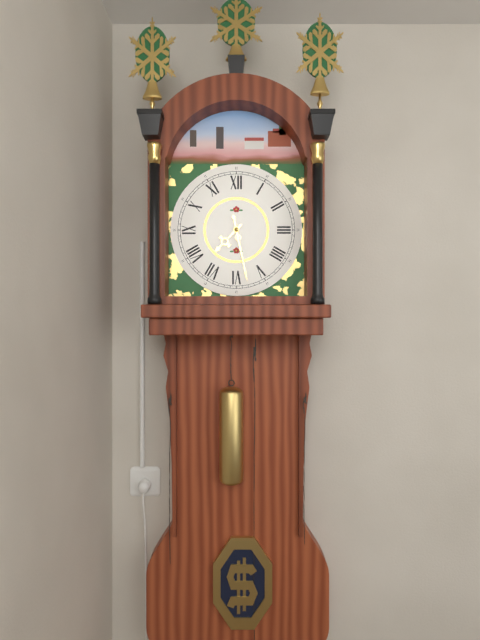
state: 7:28
